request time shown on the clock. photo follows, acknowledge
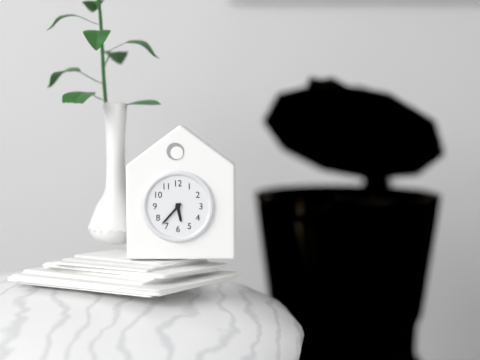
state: 5:37
